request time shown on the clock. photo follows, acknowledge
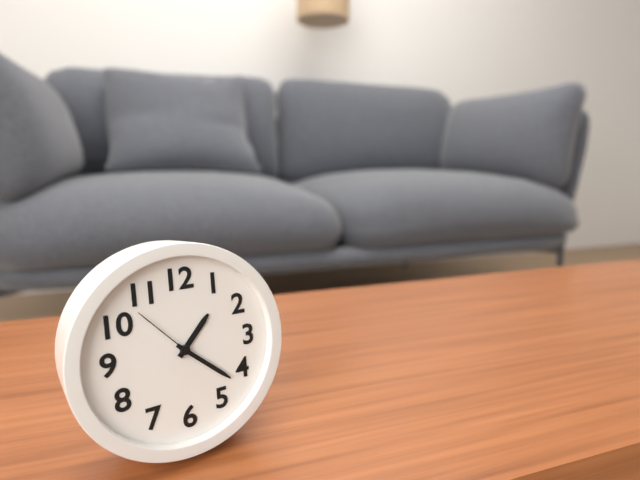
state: 1:22:53
